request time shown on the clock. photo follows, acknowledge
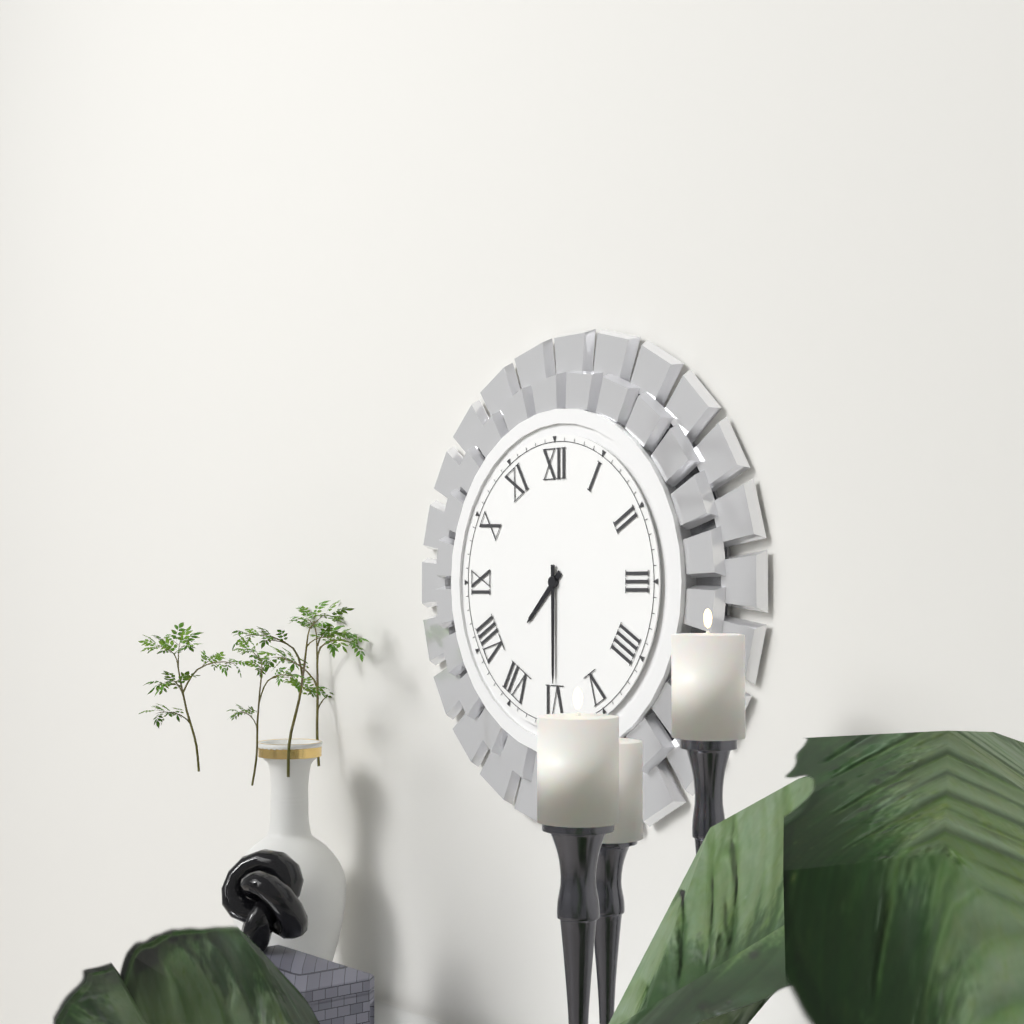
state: 7:30
